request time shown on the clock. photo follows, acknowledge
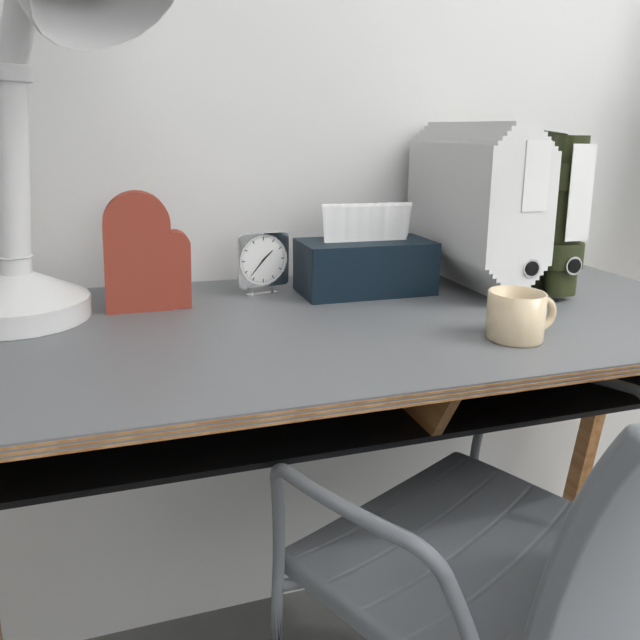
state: 1:37
